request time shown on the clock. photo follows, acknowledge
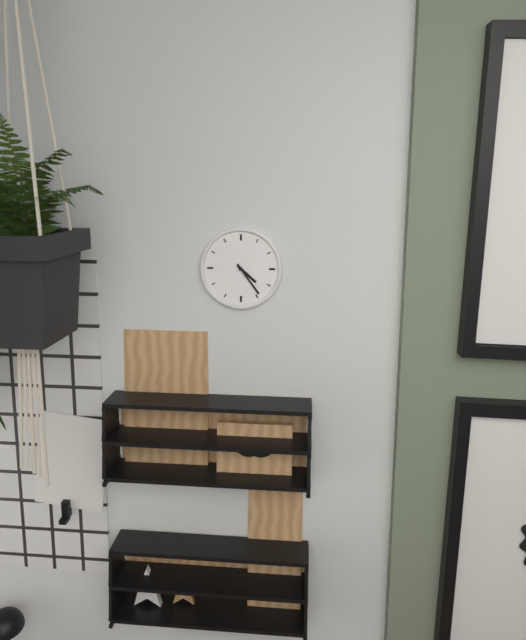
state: 4:24
